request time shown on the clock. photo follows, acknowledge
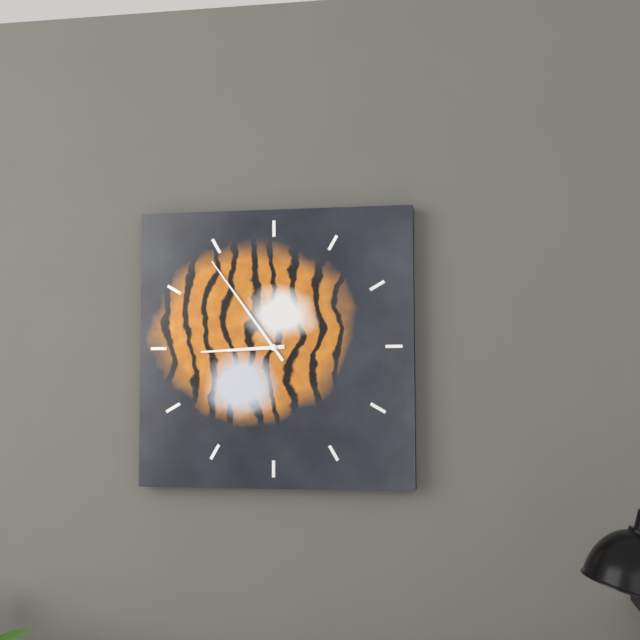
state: 8:54
